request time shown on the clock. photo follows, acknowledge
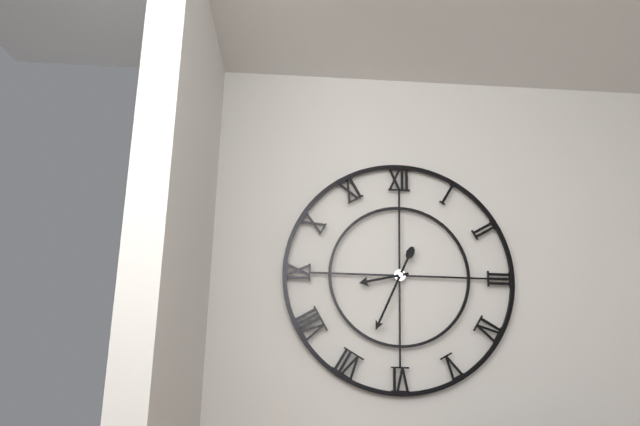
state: 8:34
